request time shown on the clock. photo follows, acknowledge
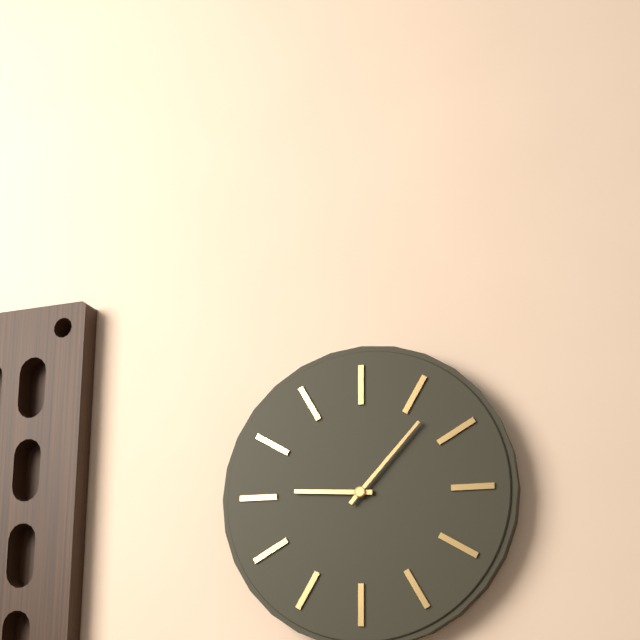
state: 9:07
